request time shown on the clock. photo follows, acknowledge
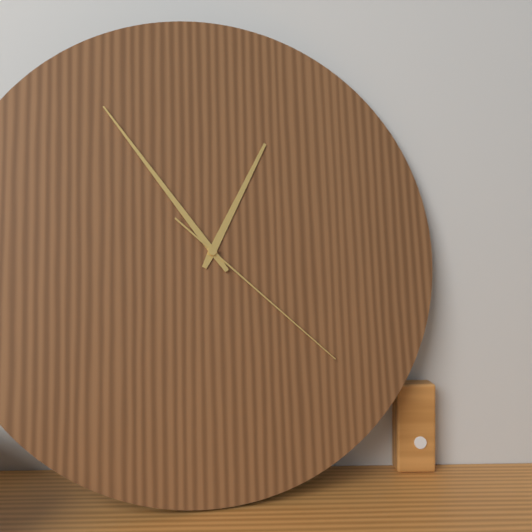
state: 12:54:22
